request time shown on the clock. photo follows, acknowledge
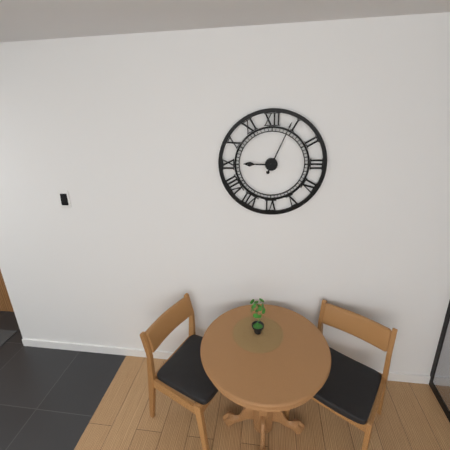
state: 9:04
